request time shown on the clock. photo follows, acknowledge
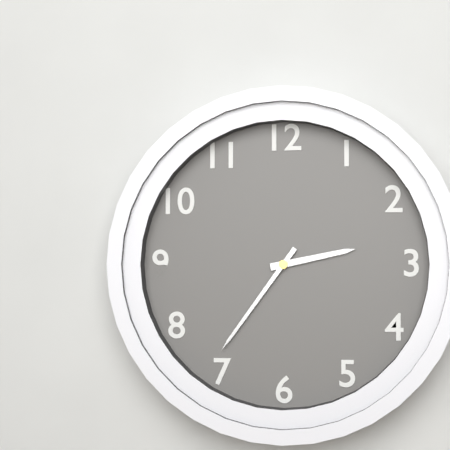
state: 2:36
